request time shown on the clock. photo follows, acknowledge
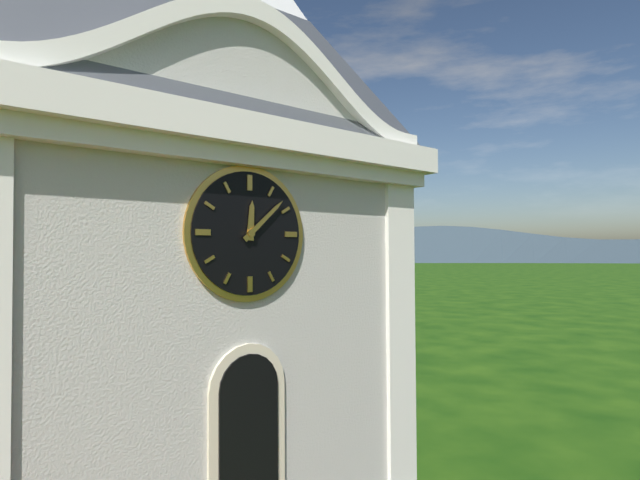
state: 12:08
